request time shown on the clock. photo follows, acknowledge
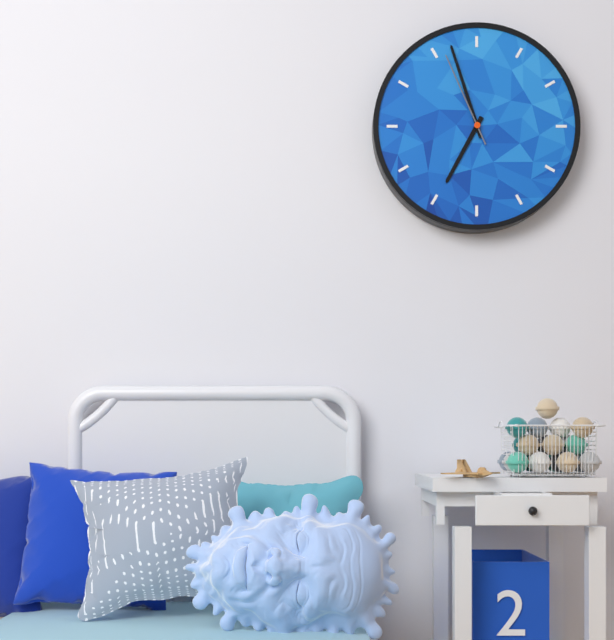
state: 6:57:56
